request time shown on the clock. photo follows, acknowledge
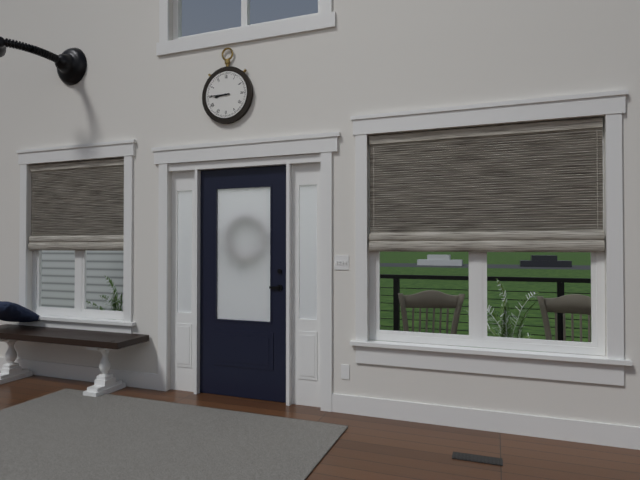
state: 8:45
